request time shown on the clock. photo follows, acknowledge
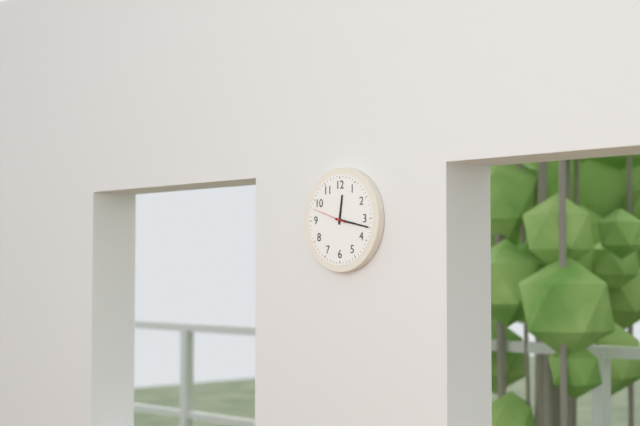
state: 12:17
